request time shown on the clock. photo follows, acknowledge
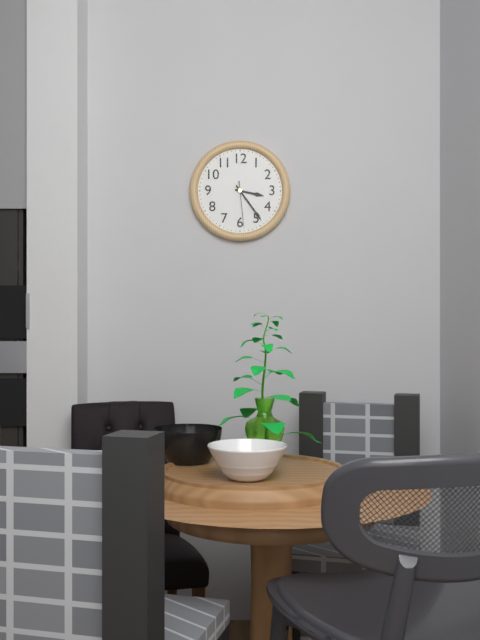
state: 3:24
